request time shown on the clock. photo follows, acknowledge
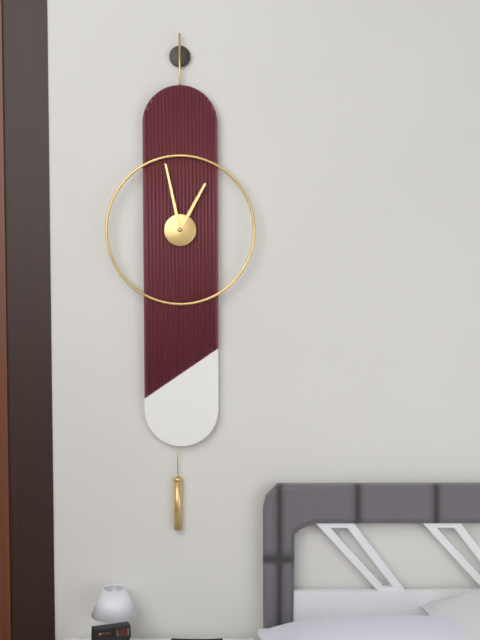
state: 12:58
